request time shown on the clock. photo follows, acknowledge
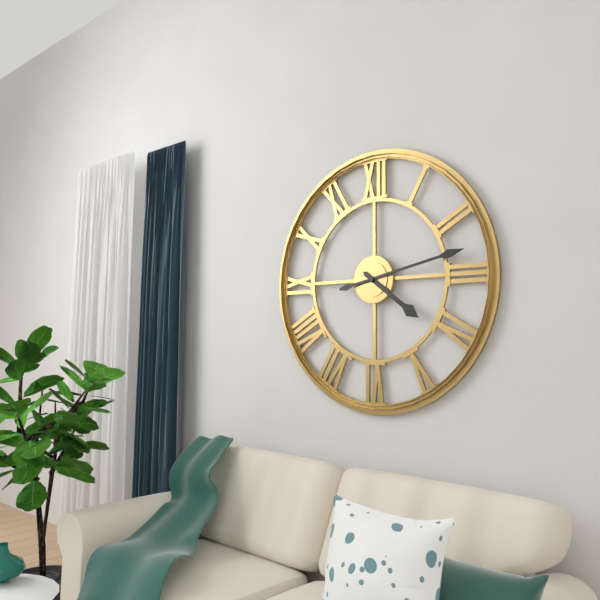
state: 4:13
